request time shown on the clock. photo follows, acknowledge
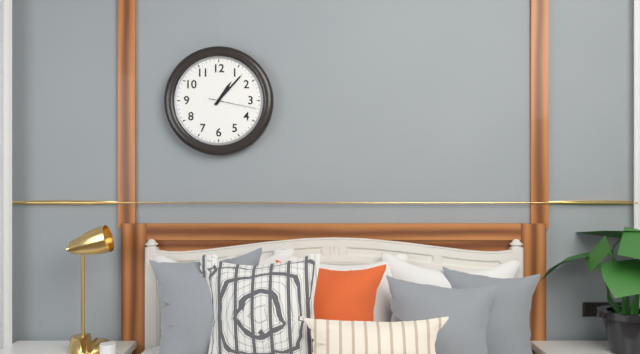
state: 1:07
